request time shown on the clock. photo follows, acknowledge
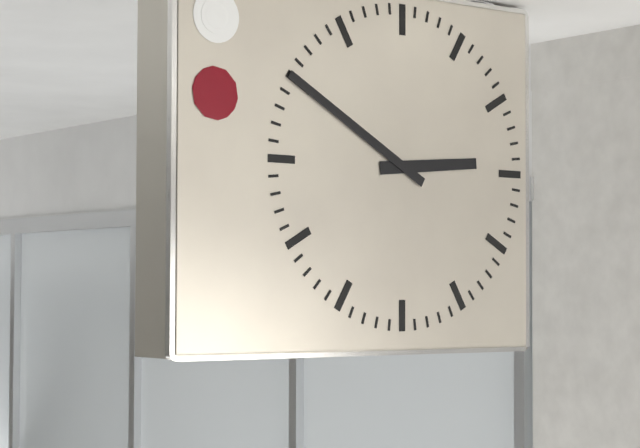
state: 2:50
